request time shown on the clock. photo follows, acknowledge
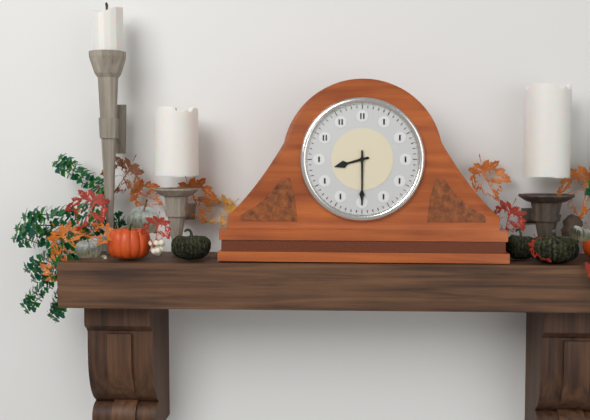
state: 8:30
